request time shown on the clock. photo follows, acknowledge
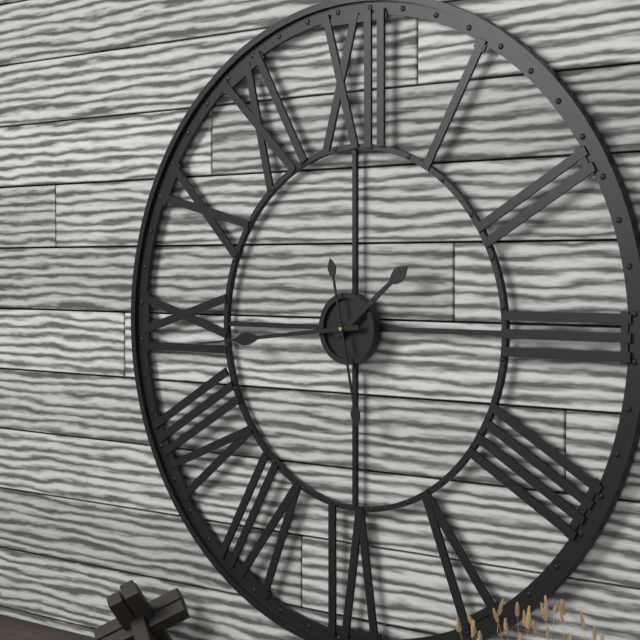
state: 1:44:28
